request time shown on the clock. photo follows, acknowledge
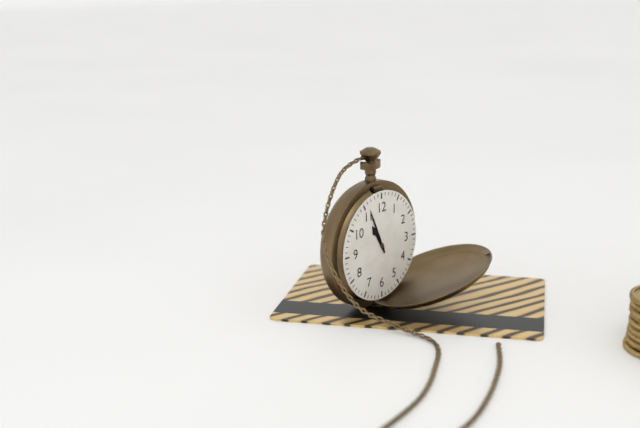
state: 10:56
